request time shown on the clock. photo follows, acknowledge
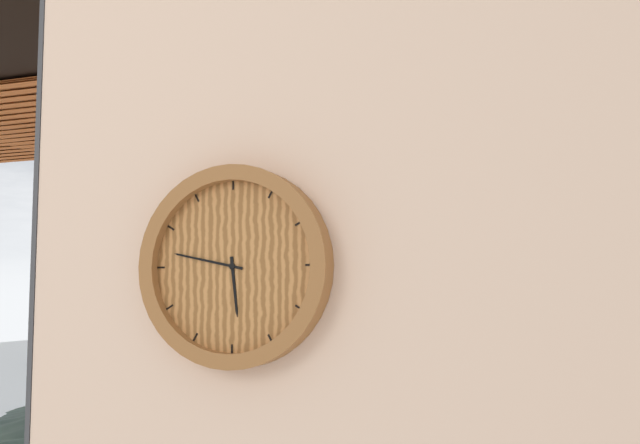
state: 5:47
